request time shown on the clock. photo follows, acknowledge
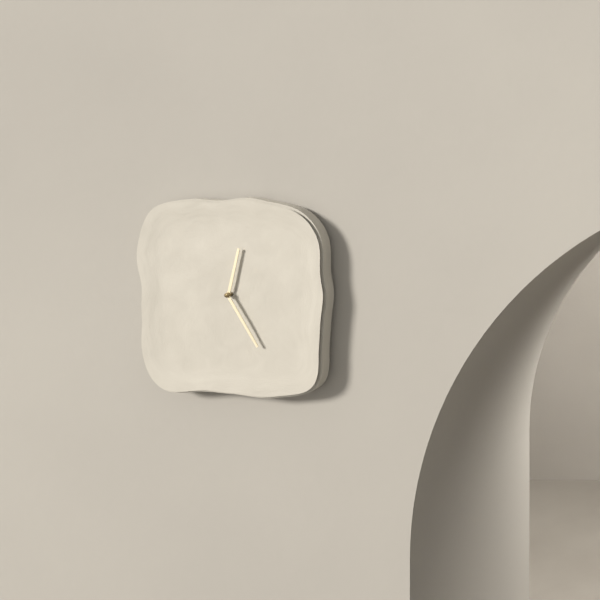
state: 12:25
